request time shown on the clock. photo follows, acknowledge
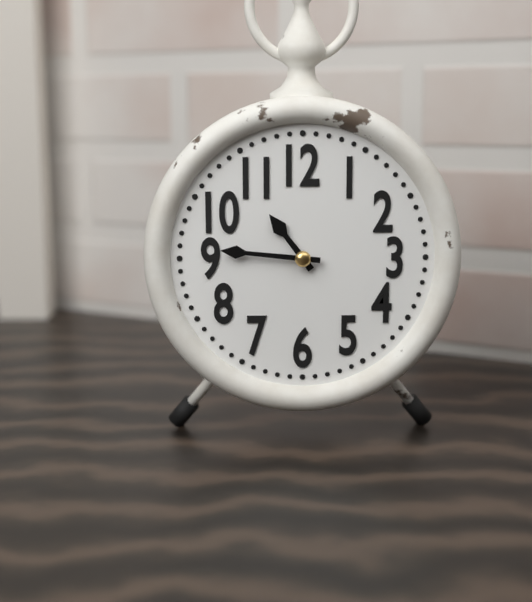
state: 10:46
